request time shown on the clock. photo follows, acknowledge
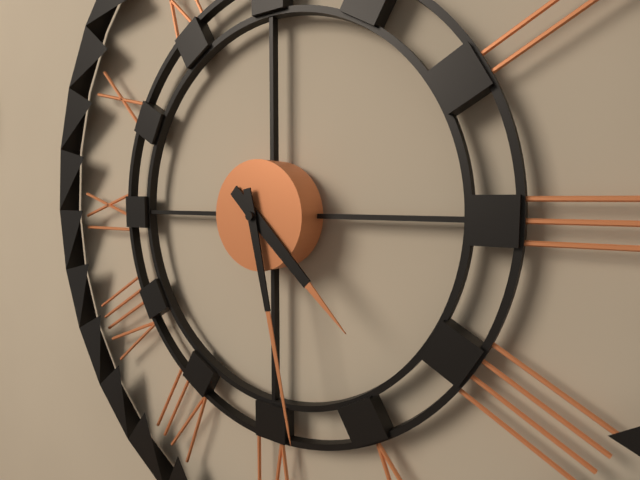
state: 4:28
